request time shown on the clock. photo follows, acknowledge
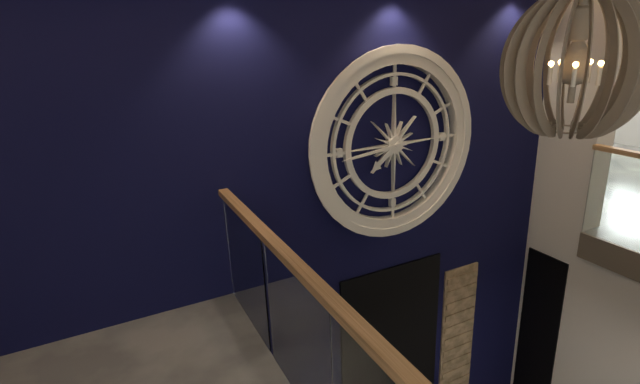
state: 7:44
